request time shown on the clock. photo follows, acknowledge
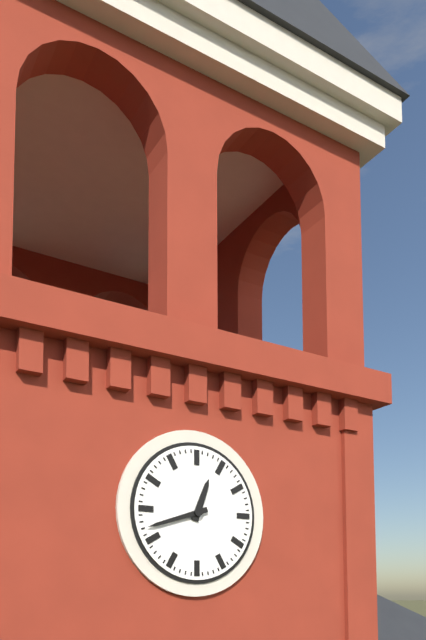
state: 12:42
